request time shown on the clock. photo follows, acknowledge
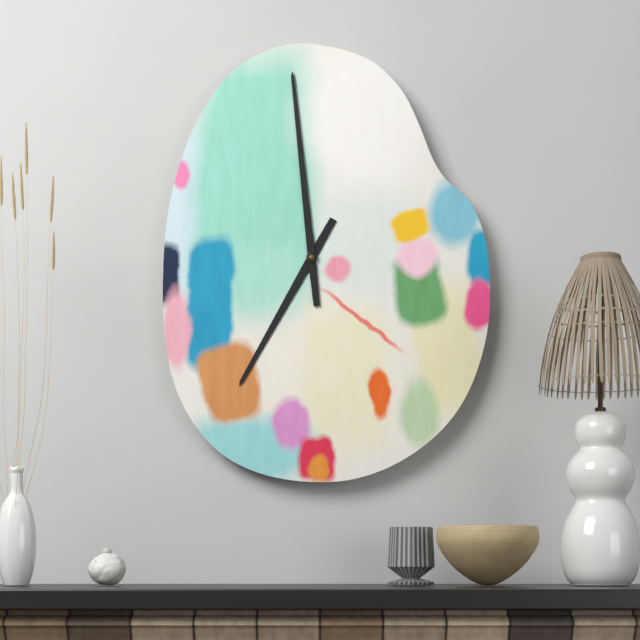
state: 6:59
